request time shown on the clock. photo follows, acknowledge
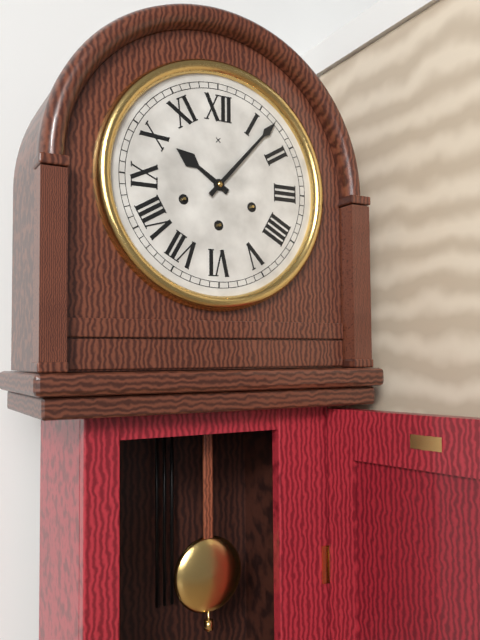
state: 10:07
